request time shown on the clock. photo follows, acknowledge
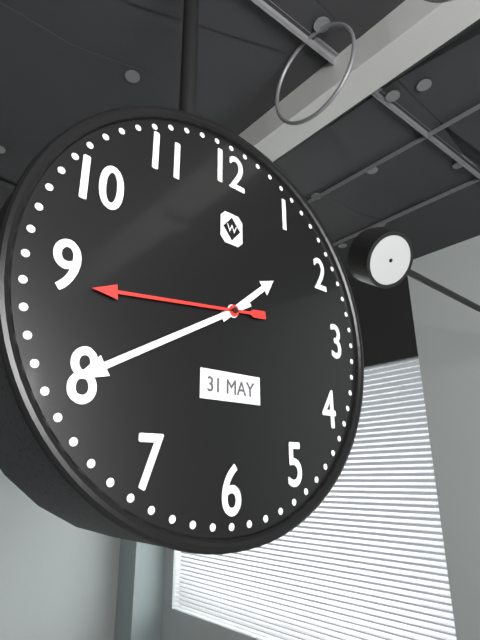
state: 1:40:44
